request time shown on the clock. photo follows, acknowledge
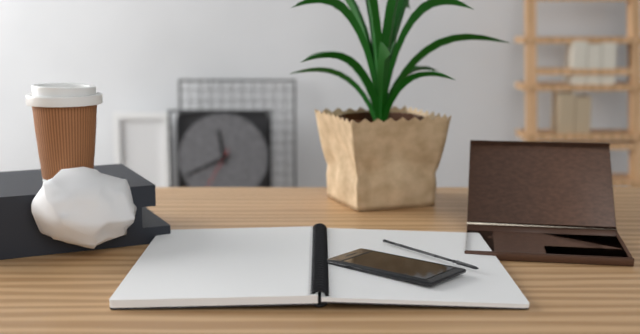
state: 11:41:35
